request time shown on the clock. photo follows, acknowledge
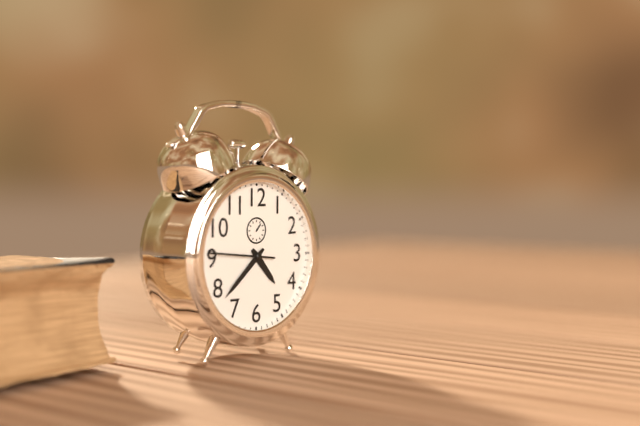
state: 4:38:46
